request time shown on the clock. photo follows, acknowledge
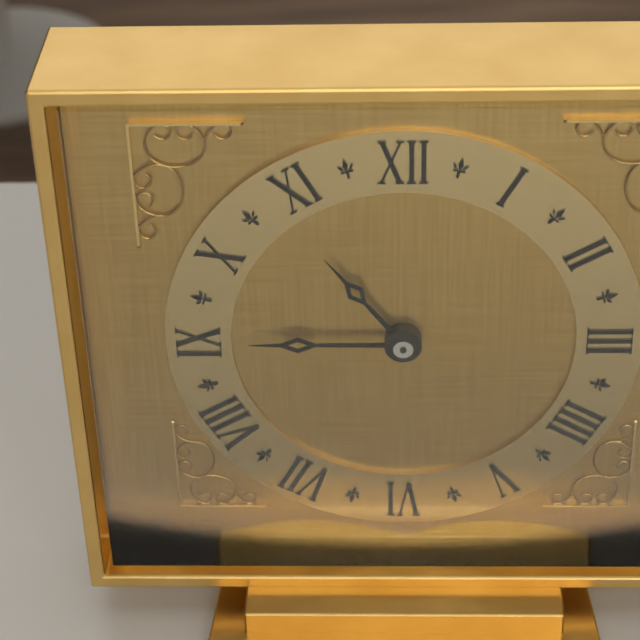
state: 10:45
